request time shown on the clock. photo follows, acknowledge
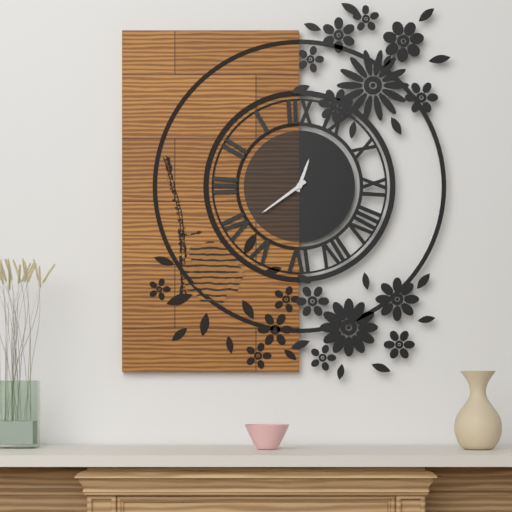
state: 12:39
